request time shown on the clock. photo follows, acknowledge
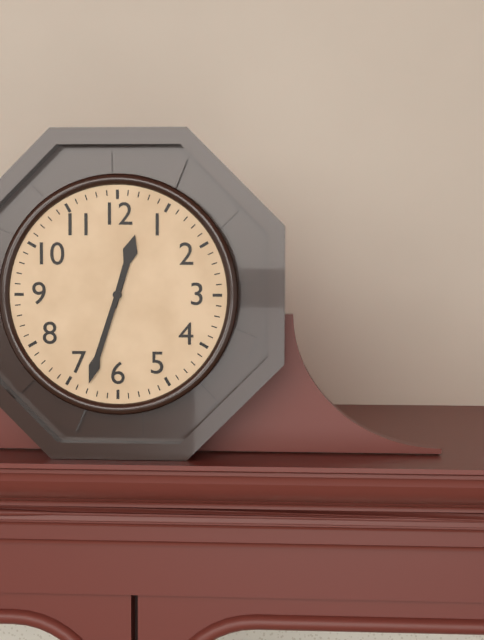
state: 12:33
